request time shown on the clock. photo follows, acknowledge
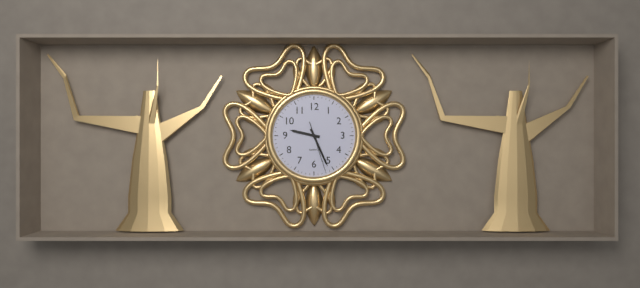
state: 9:26
